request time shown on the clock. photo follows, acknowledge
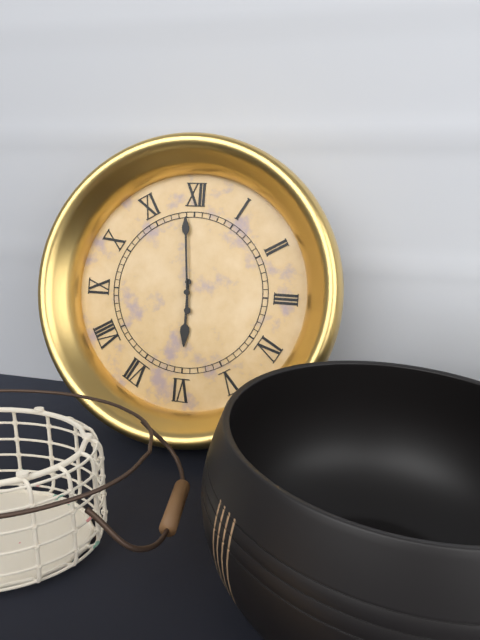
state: 5:59
